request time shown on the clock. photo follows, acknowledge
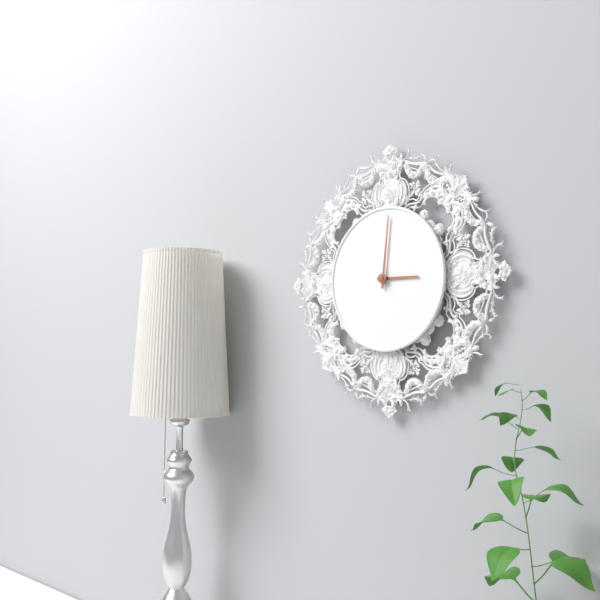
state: 3:01
